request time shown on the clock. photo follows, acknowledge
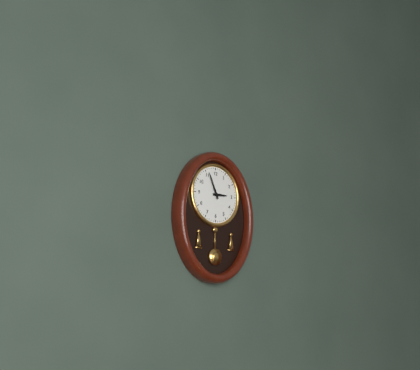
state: 2:56
